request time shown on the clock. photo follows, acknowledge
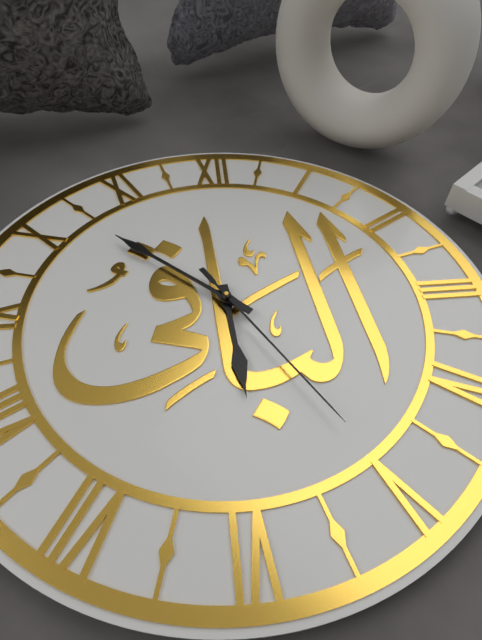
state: 5:52:25
